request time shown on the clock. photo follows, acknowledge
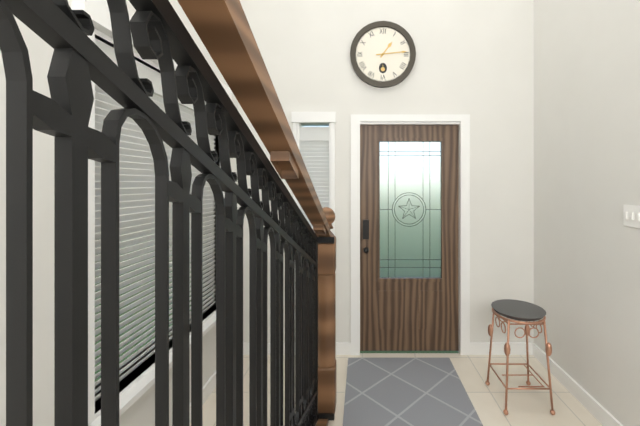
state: 1:14
